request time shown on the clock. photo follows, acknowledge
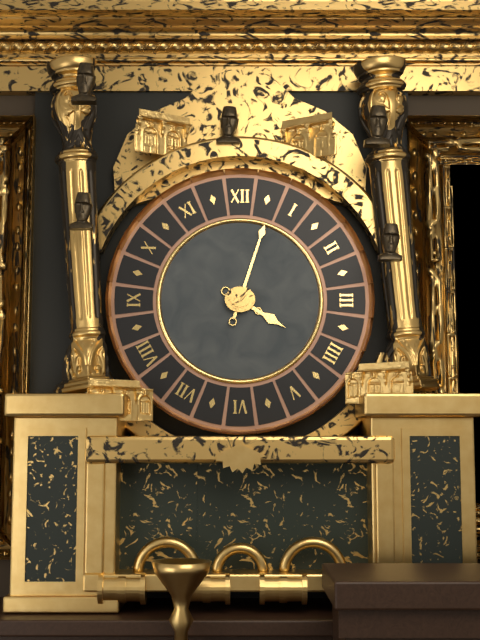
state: 4:03
